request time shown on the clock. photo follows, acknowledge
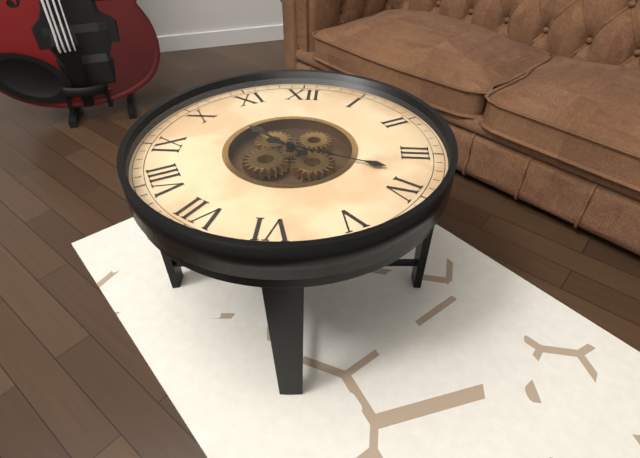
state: 10:18
